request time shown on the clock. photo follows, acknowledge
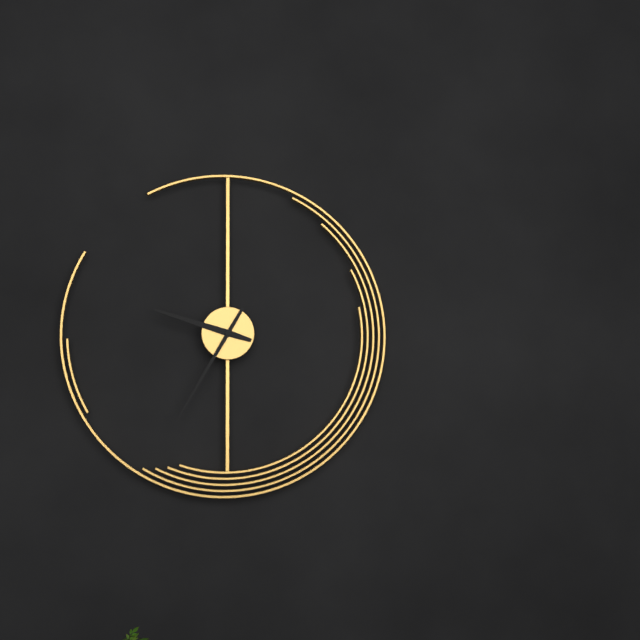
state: 9:35
